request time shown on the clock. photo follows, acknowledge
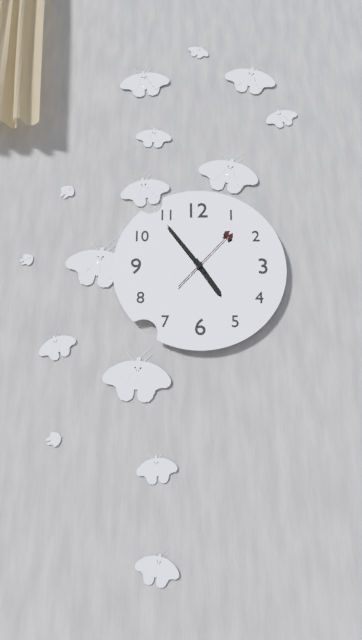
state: 4:54:07
